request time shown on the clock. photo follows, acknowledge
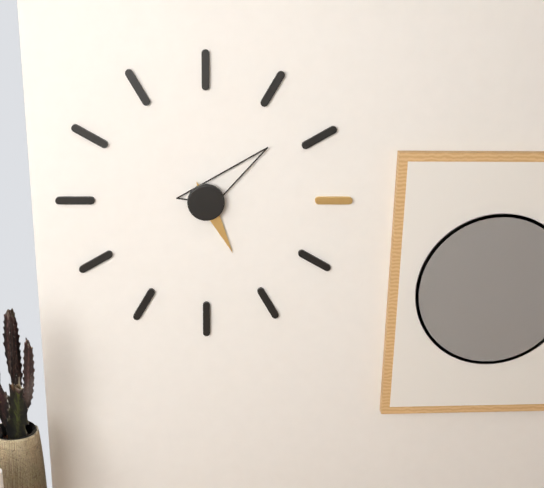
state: 5:08
